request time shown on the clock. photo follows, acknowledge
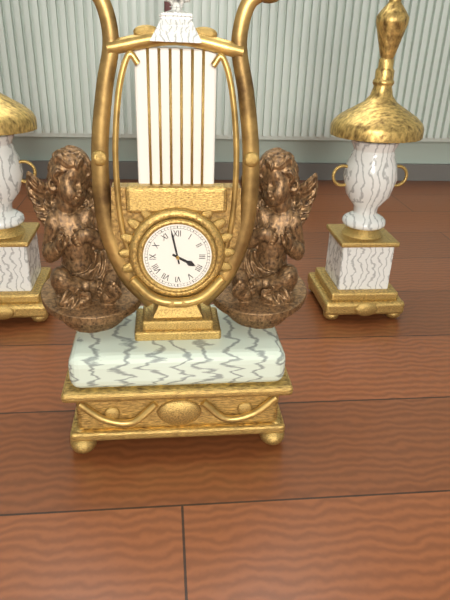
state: 3:58
